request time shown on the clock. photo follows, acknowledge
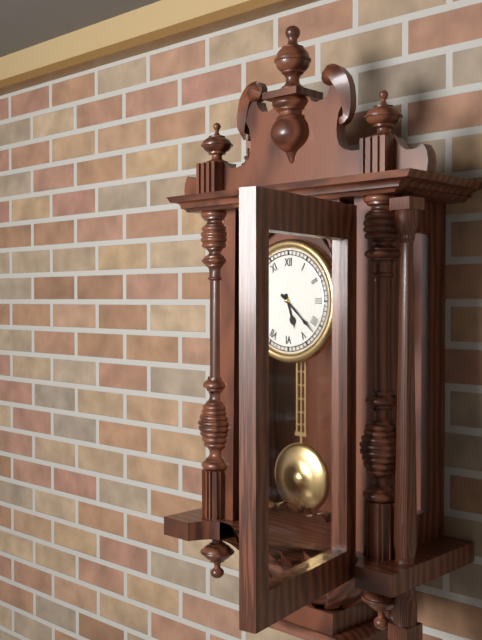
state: 5:22
